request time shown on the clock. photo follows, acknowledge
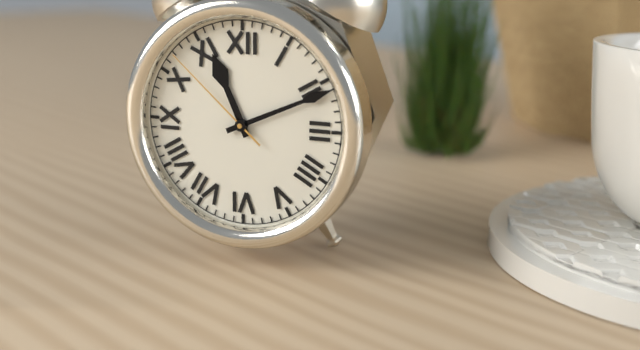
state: 11:11:52
